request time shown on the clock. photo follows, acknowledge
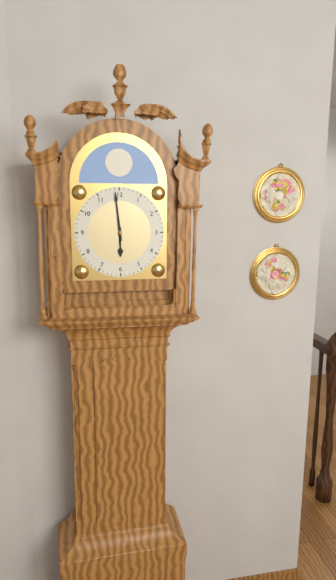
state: 5:59
